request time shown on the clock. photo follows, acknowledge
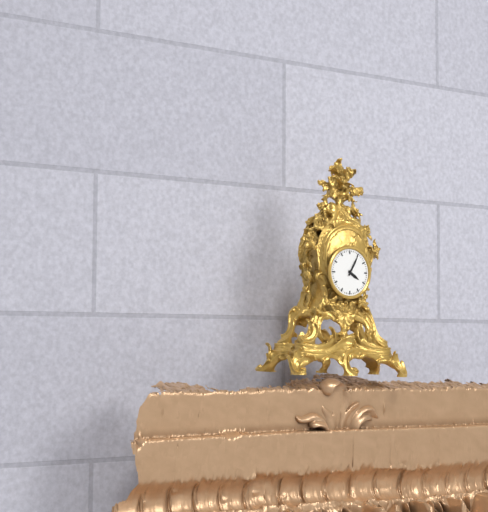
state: 4:05
